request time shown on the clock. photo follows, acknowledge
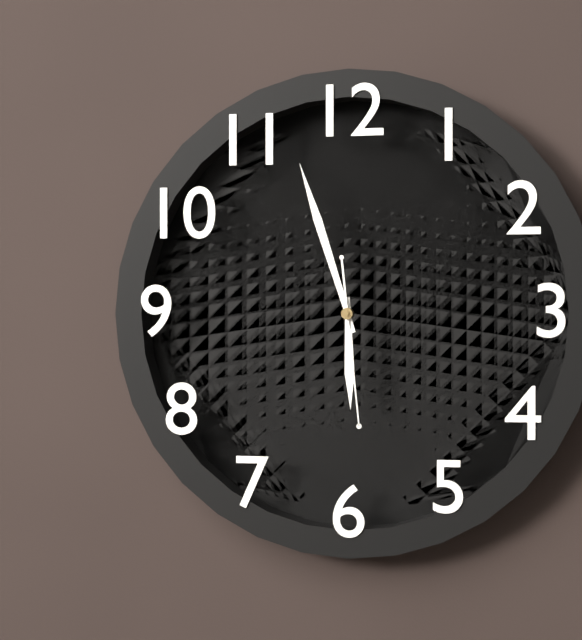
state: 5:57:29
